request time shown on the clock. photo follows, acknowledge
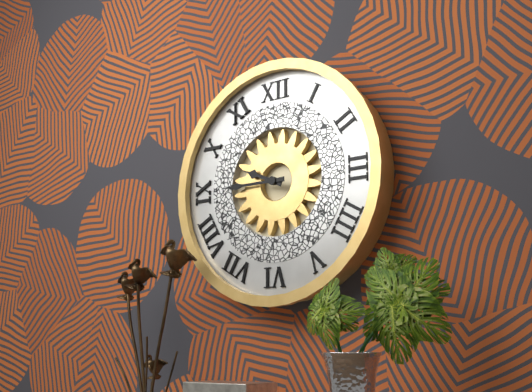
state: 9:45
